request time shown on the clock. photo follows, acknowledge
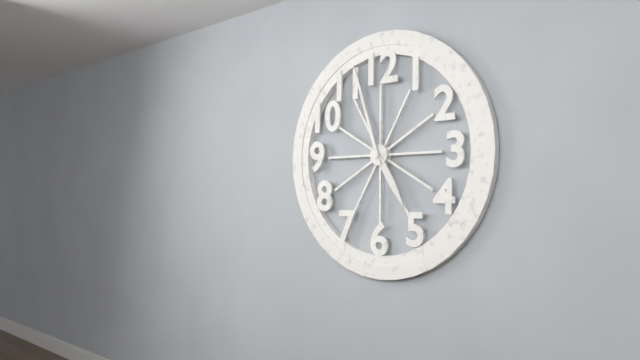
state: 4:57
